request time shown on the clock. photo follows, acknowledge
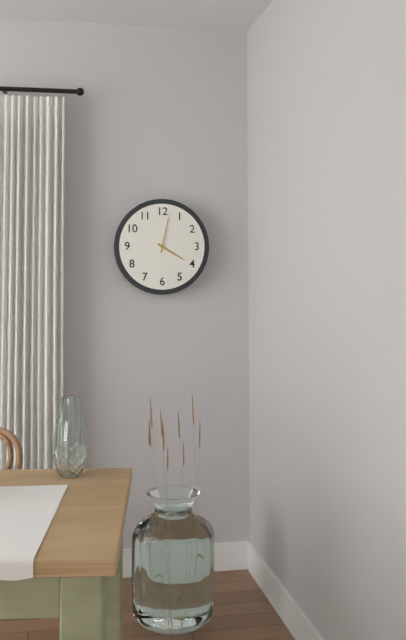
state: 4:02
